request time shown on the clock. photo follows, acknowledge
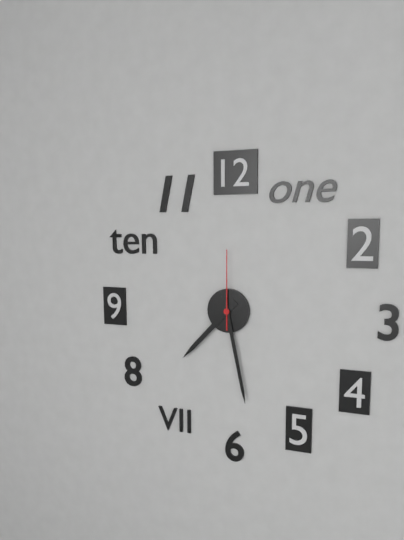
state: 7:28:00
